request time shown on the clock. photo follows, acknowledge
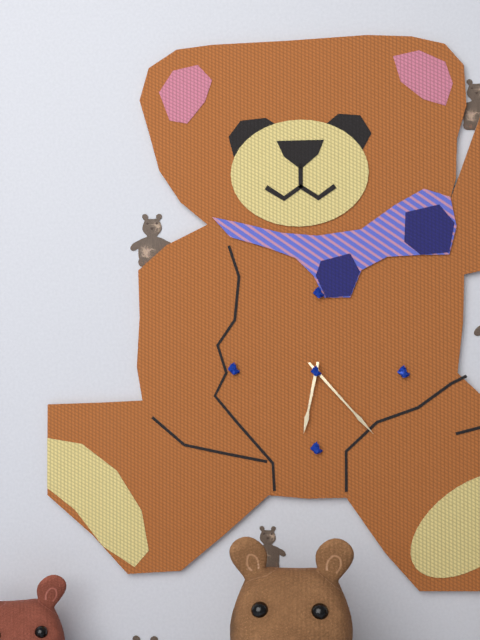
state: 6:23
